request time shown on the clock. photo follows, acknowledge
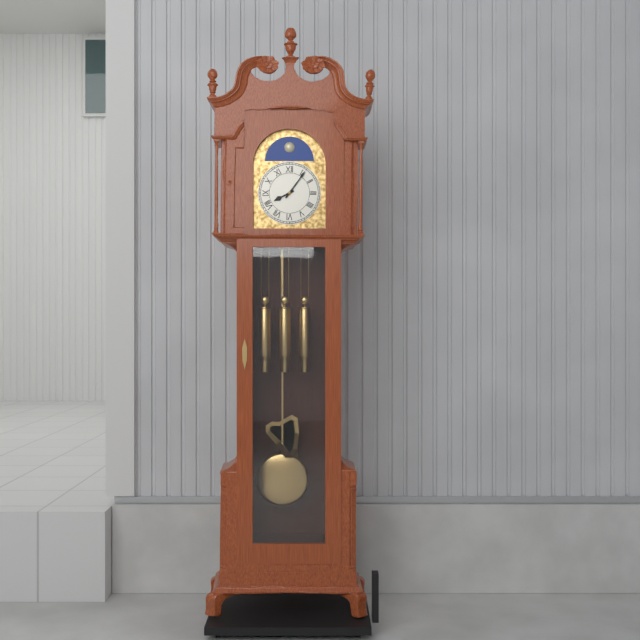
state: 8:06
